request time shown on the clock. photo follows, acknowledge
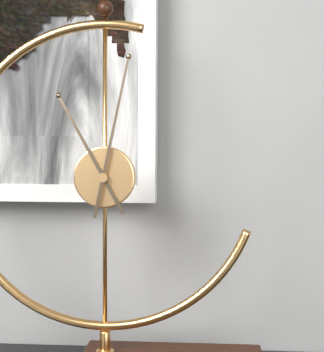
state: 11:02
